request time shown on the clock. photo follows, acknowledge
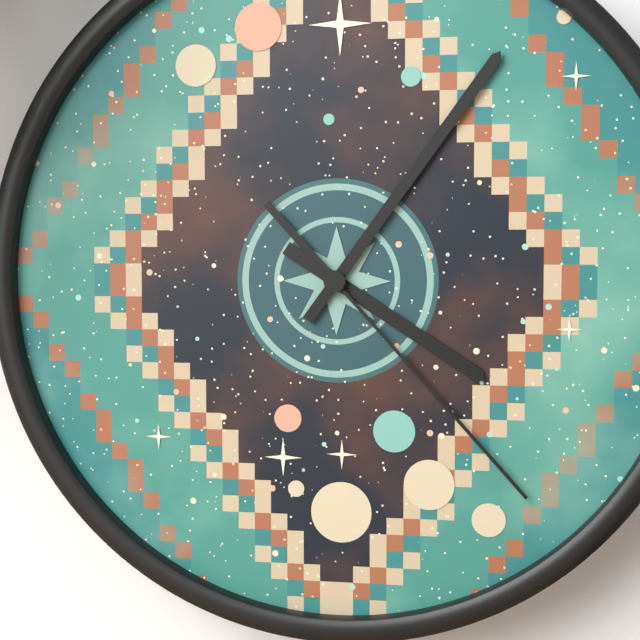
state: 4:06:23
